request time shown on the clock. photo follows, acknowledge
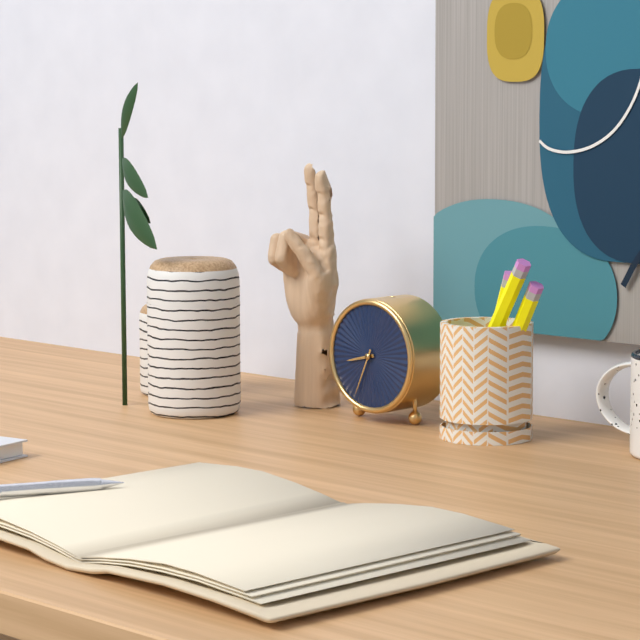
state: 8:34
